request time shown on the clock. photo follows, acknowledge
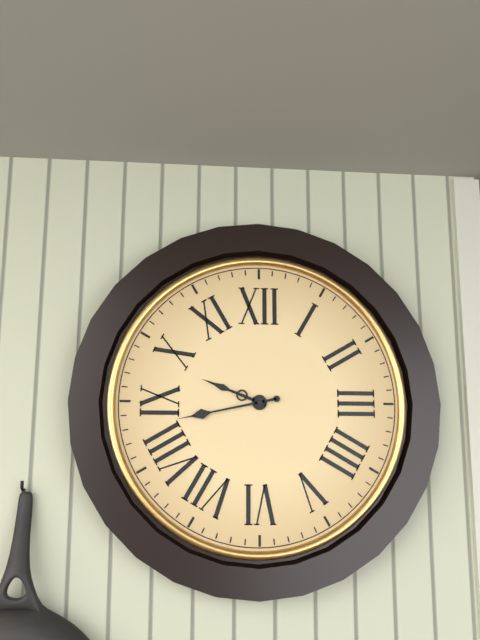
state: 9:43
